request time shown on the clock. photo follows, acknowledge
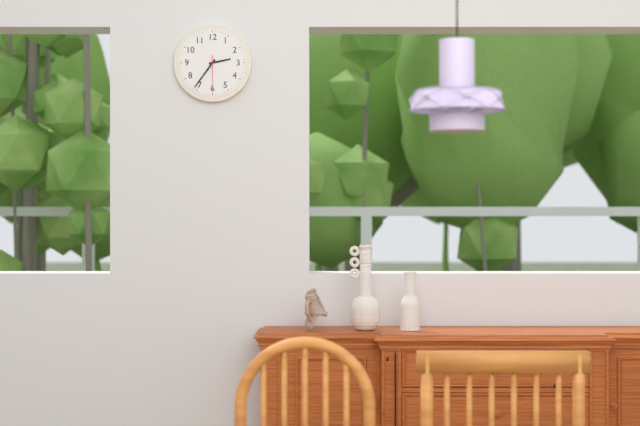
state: 2:36
